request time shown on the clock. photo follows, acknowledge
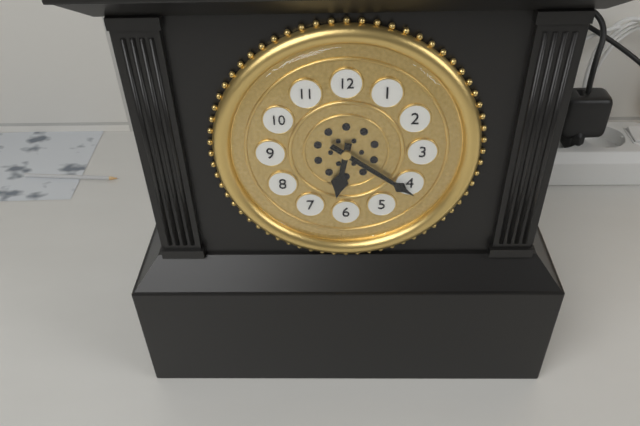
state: 6:21
